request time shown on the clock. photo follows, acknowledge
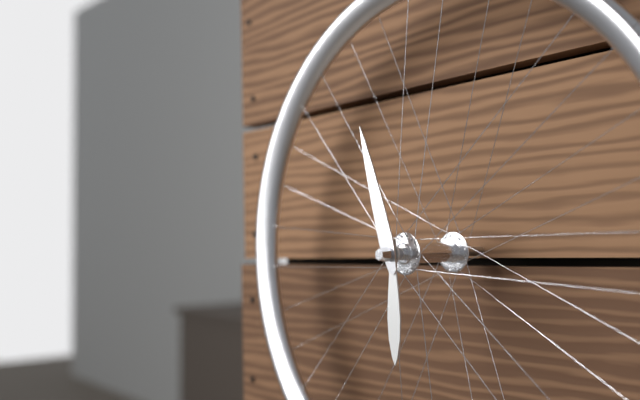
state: 5:57
